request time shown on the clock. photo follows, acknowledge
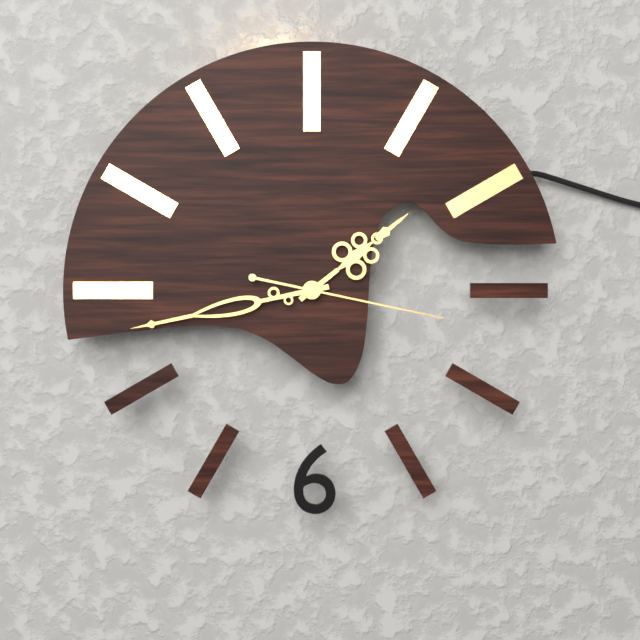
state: 1:43:17
